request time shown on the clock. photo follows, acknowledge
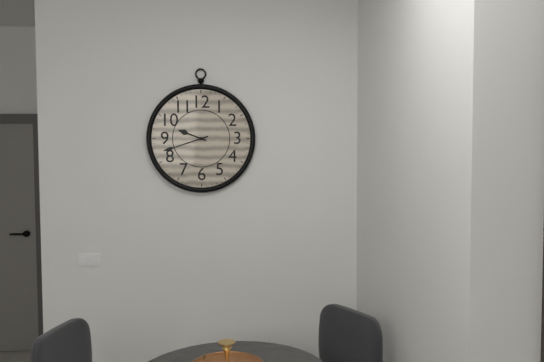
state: 9:42
